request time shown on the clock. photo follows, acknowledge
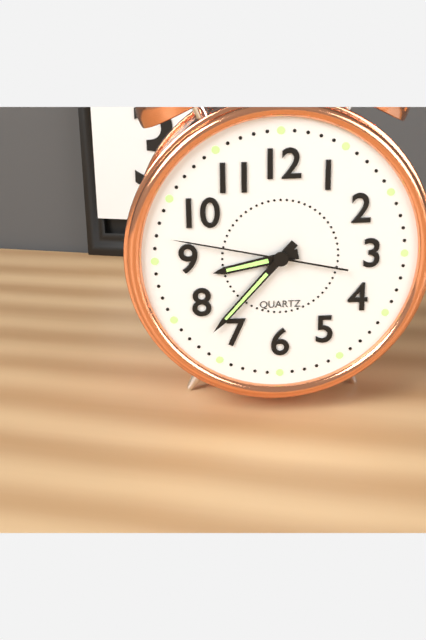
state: 8:37:47
